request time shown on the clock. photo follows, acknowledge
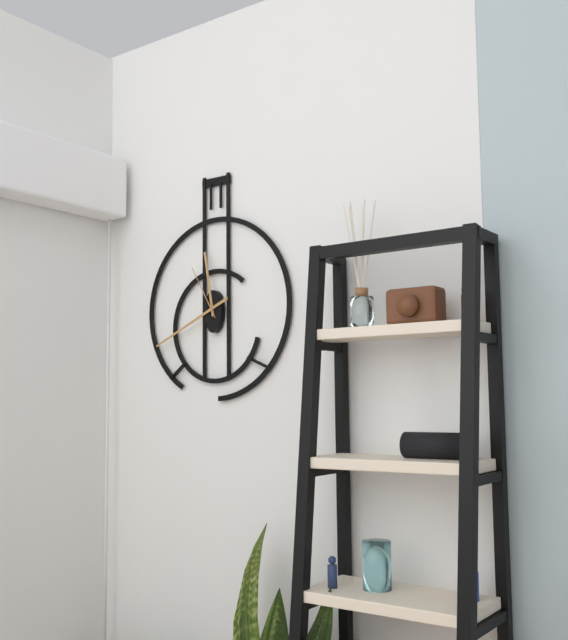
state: 11:41:55
